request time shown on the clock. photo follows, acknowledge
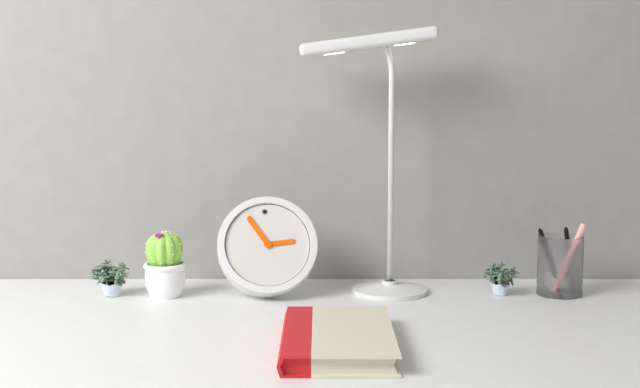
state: 2:55
